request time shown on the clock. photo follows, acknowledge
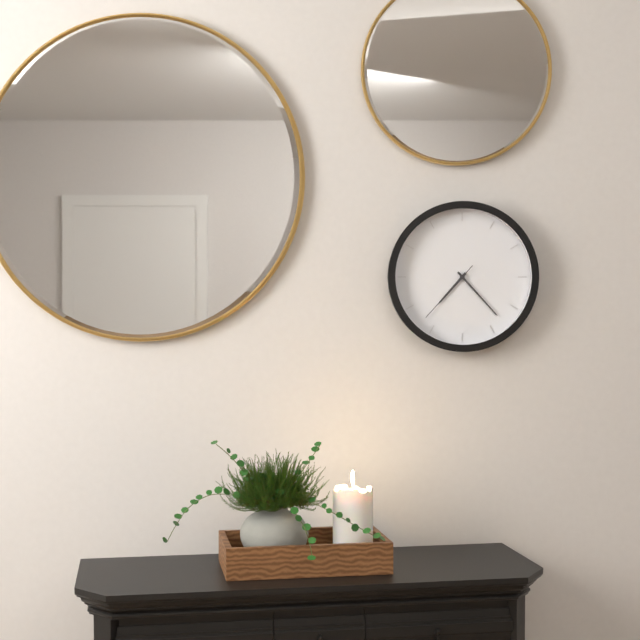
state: 7:23:37
